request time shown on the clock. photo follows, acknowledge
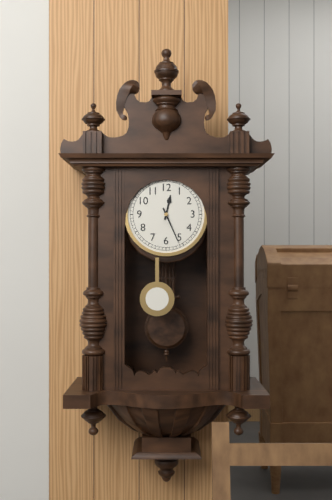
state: 12:26
